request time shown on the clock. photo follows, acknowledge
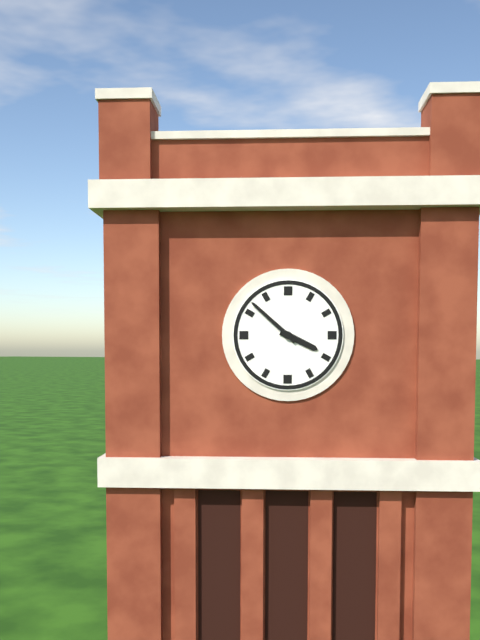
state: 3:52
